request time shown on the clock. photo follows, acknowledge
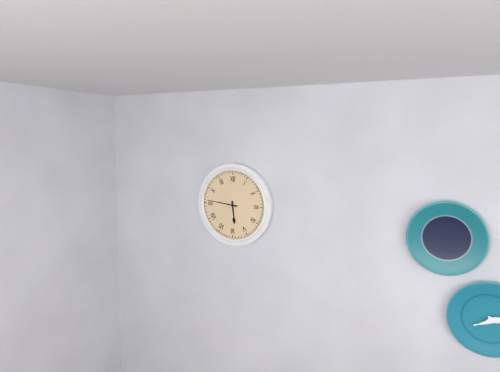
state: 5:46
